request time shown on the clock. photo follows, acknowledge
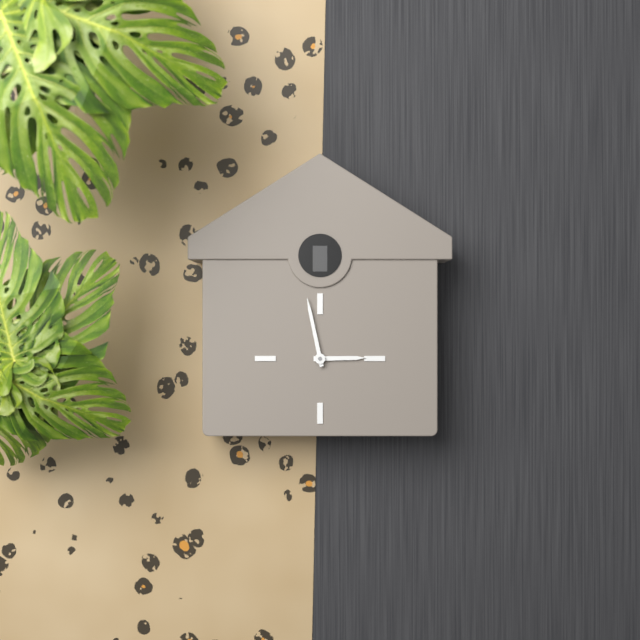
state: 2:58
